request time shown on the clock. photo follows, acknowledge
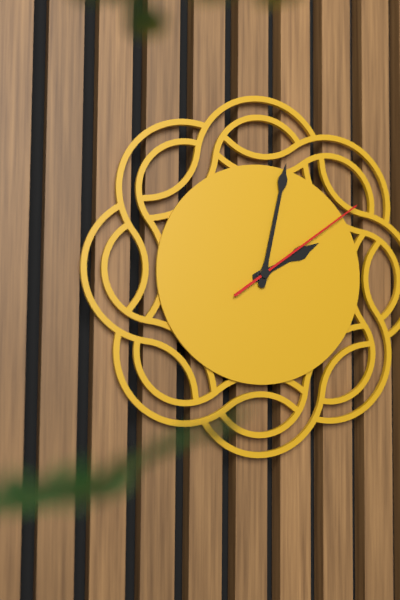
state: 2:02:09
